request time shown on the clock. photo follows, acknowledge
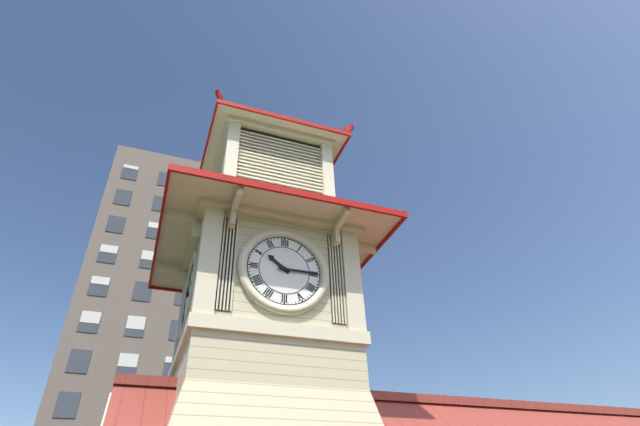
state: 10:15
